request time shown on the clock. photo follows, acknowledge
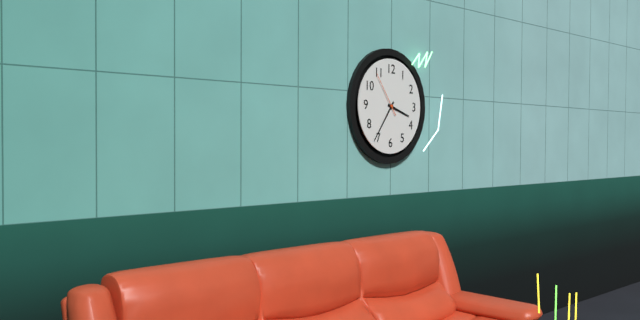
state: 3:36
